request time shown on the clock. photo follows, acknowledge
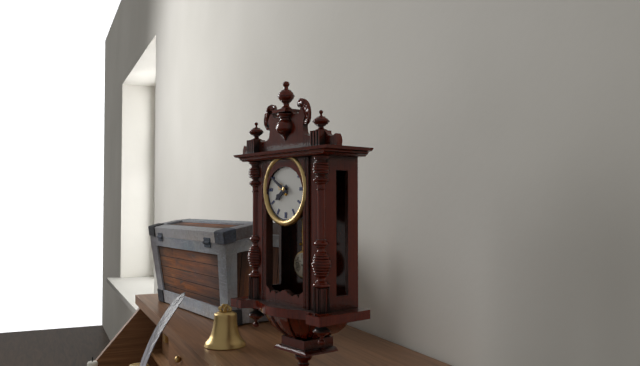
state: 7:50
